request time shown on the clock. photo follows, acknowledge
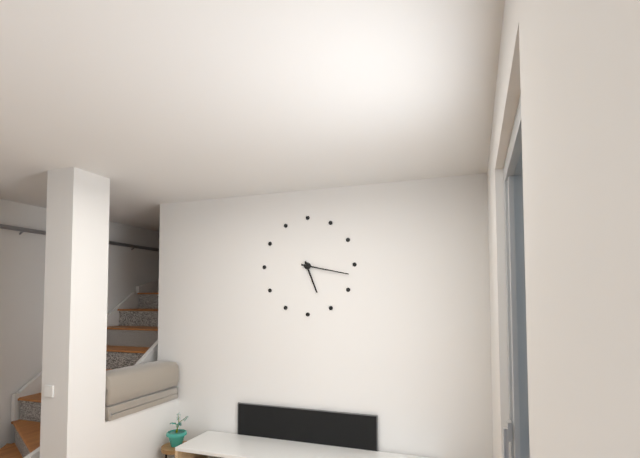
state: 5:17
